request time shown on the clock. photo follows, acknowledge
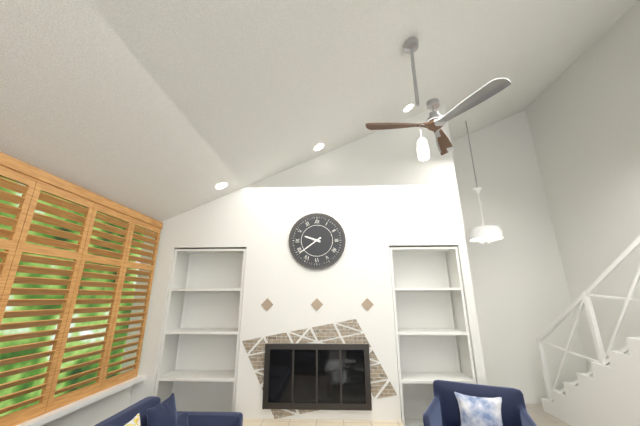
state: 9:39
